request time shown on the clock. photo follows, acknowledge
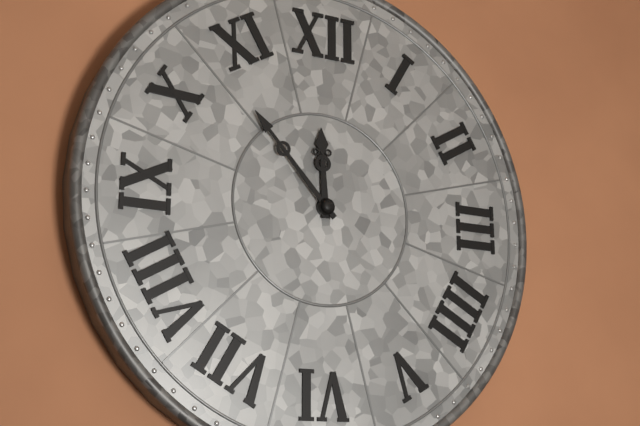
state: 11:53
